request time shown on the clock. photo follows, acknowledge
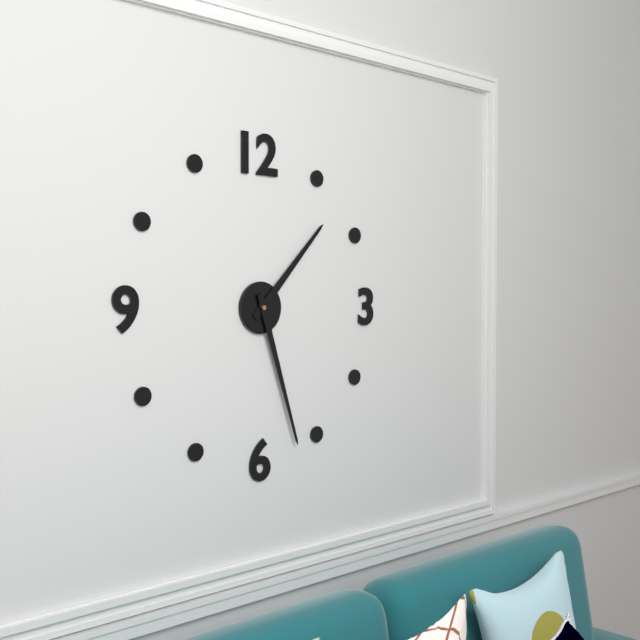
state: 1:27
